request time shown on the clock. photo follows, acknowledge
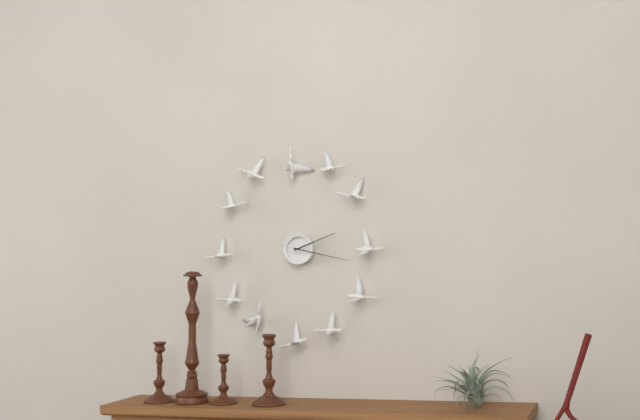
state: 2:17
